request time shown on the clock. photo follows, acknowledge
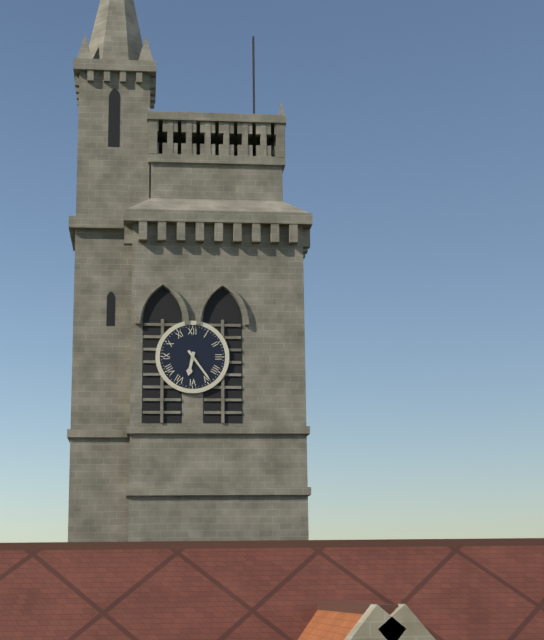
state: 6:24
